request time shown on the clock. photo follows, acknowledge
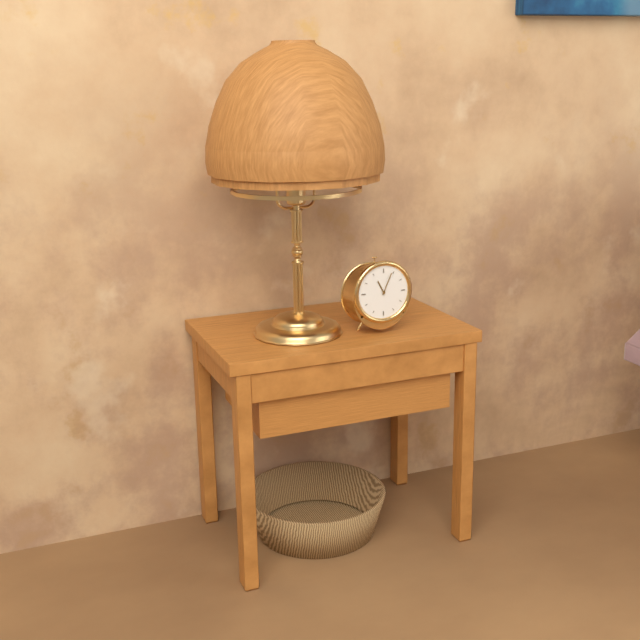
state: 11:04
